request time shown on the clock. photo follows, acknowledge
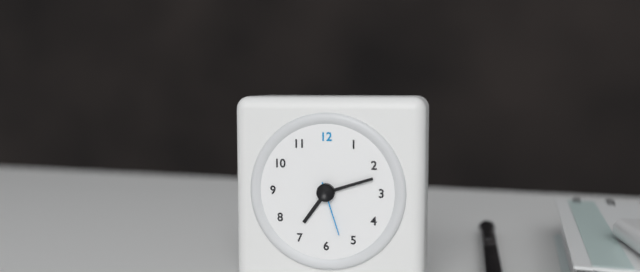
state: 7:12:27
